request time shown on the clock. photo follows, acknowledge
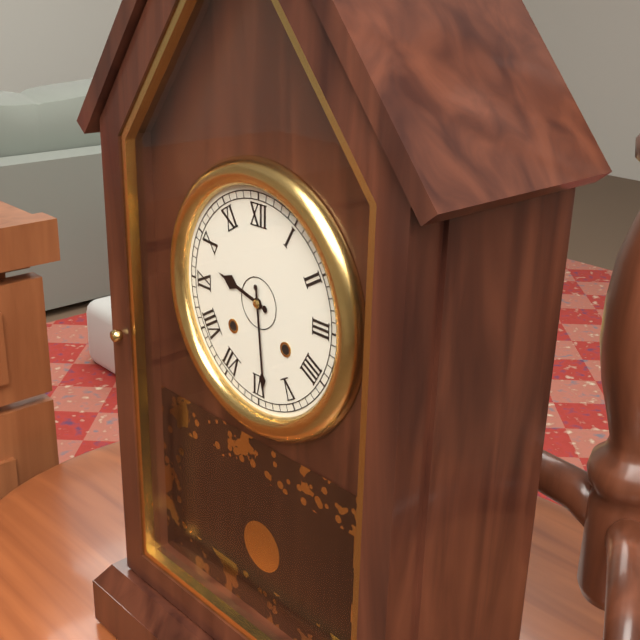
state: 9:29
